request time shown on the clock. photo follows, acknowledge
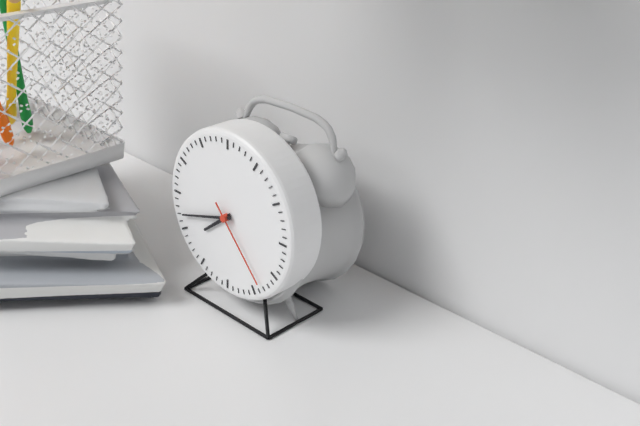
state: 7:42:23
